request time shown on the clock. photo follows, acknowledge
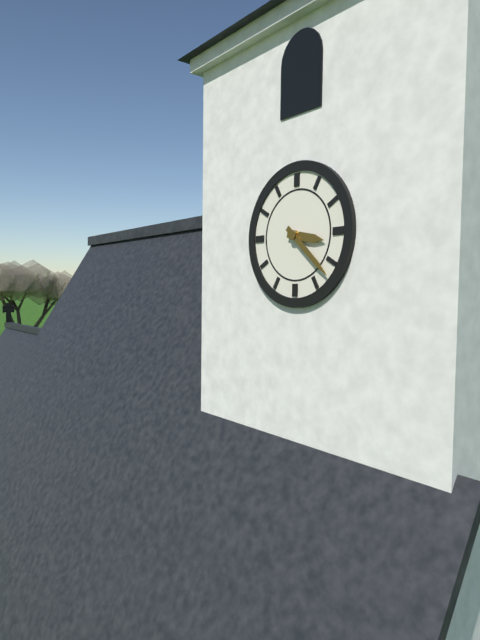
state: 3:22
